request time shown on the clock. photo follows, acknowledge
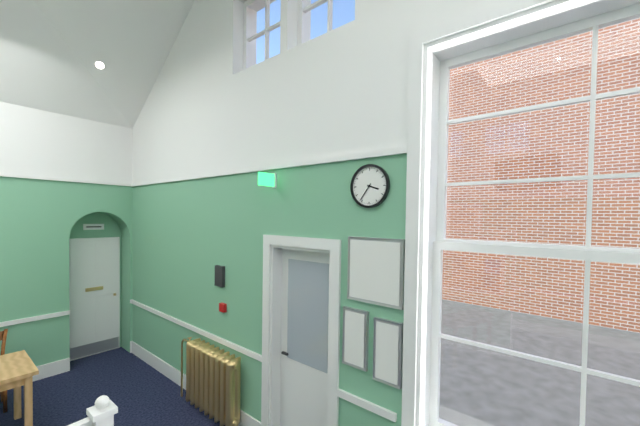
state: 3:36
